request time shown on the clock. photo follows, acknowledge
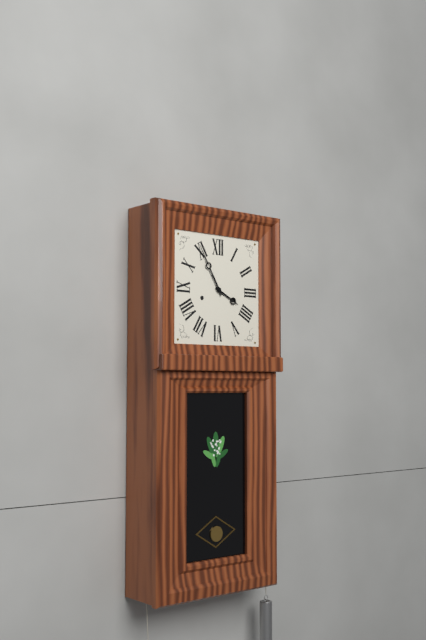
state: 3:55
